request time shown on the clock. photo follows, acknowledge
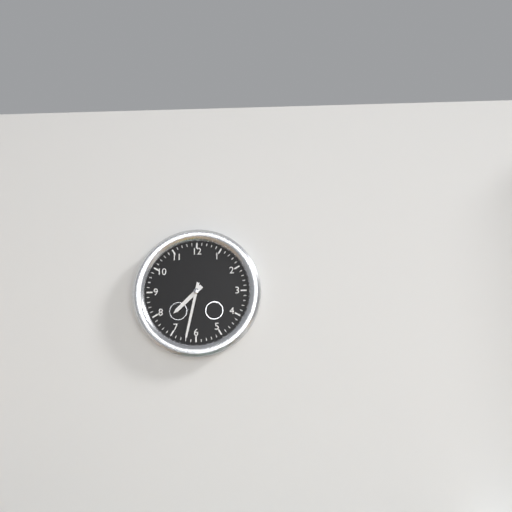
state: 7:32
